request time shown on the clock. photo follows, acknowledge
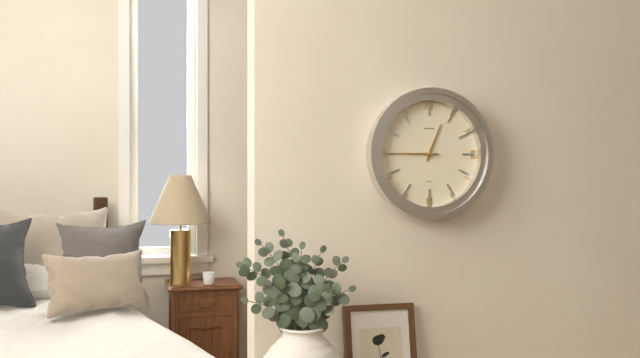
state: 12:45
